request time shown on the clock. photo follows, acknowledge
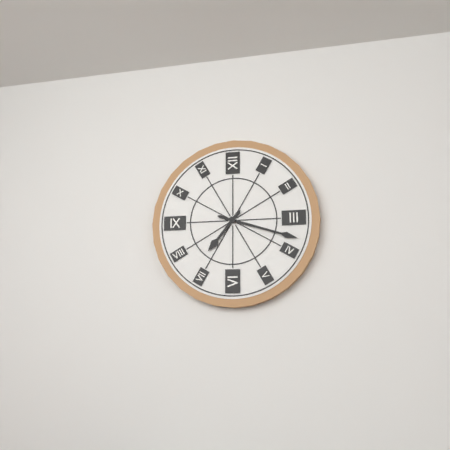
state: 7:18
